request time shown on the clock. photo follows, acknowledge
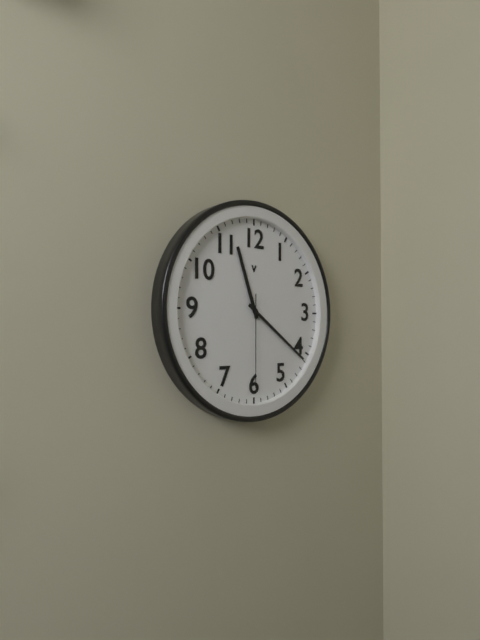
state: 11:21:30
